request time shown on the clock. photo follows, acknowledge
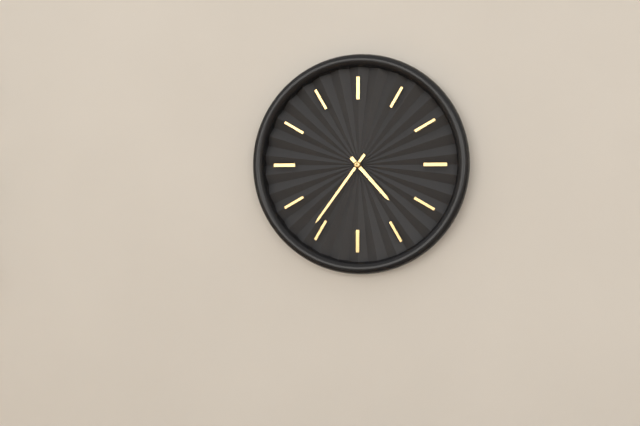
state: 4:36
